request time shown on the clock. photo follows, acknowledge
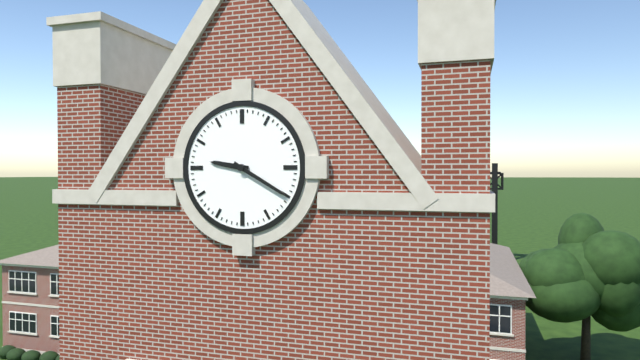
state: 9:20
